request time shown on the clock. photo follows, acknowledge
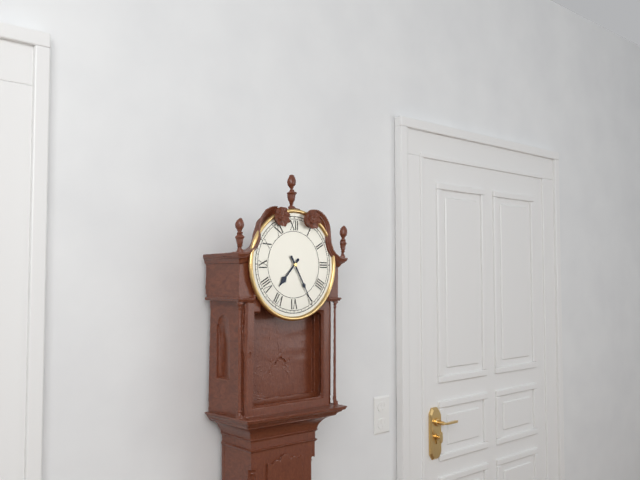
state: 7:25
